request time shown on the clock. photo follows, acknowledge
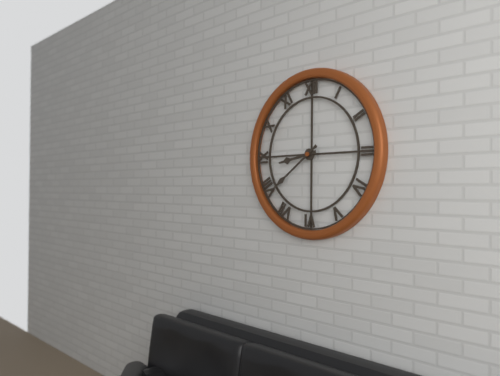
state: 8:39
